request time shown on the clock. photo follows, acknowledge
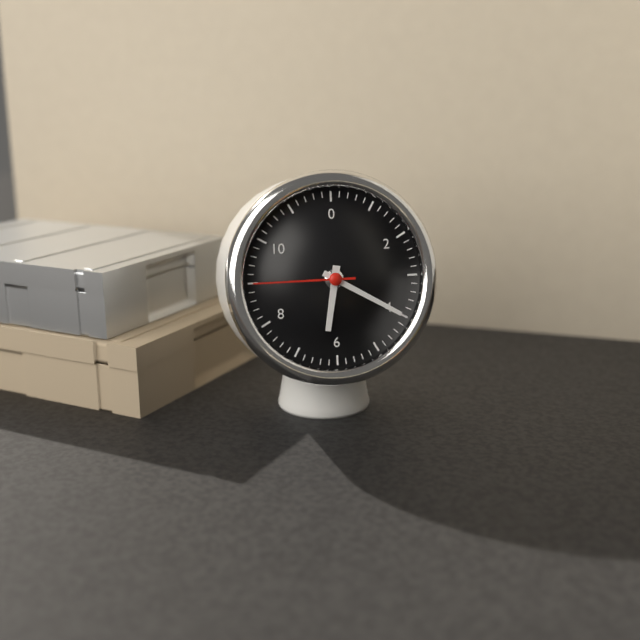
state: 6:20:45
